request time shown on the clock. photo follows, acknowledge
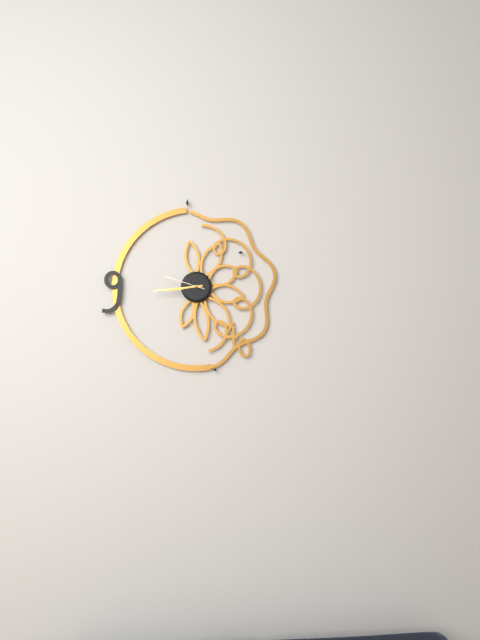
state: 8:44
